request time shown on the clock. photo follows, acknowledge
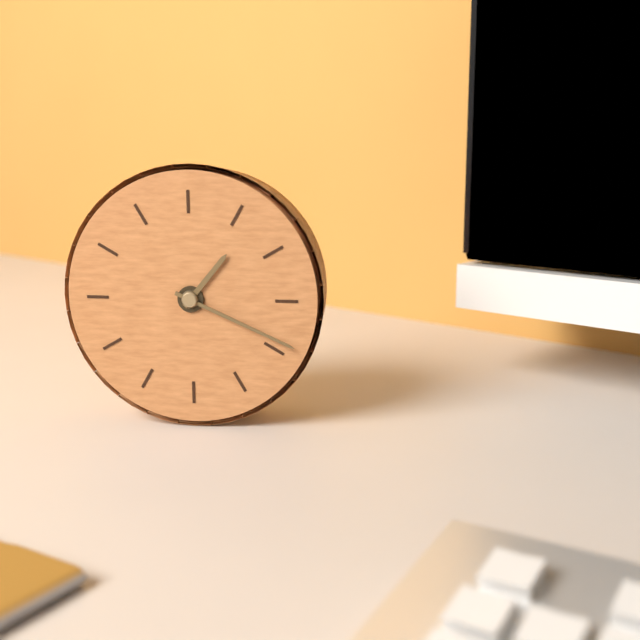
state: 1:19
